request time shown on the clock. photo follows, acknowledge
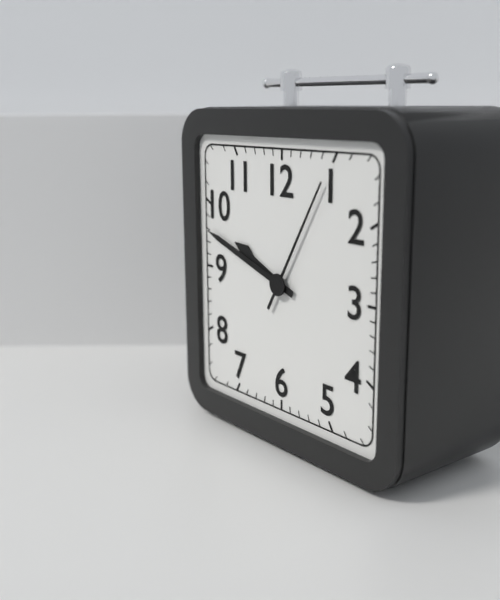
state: 9:48:05
